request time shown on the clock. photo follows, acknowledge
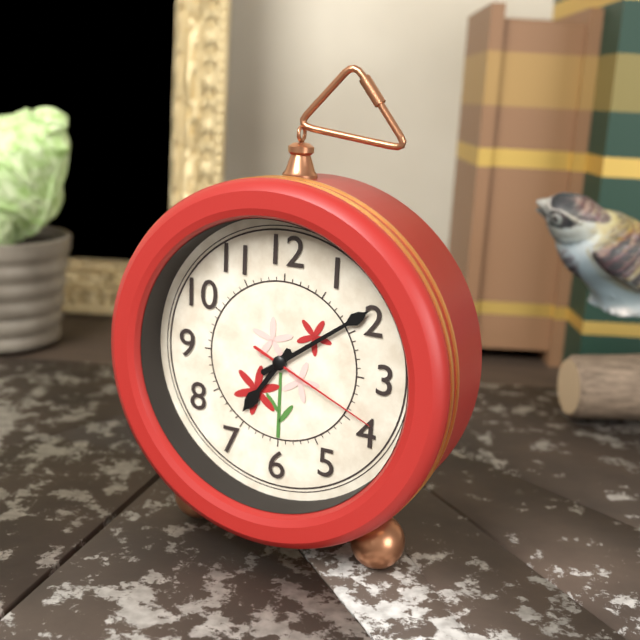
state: 7:09:19
